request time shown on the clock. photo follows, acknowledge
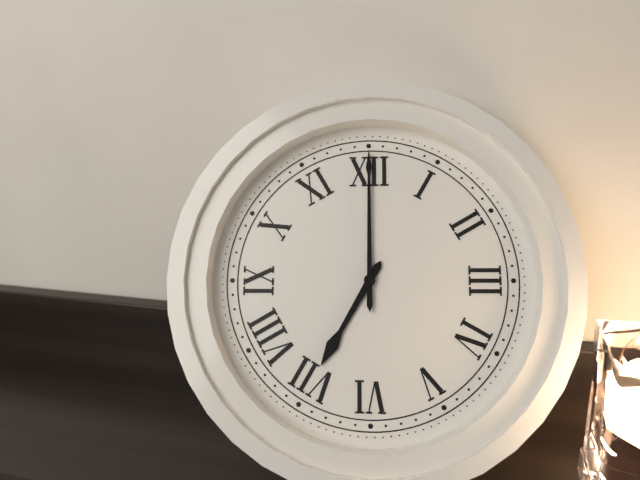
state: 7:00
